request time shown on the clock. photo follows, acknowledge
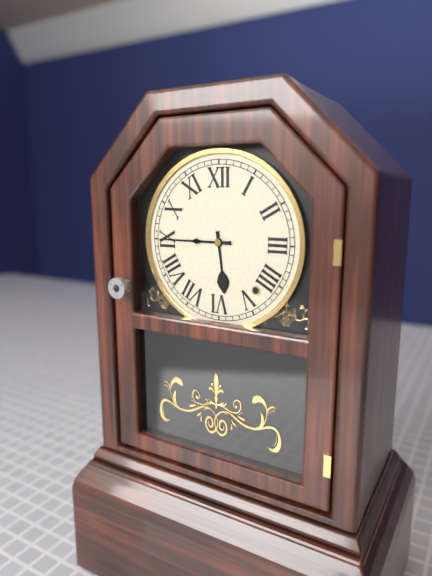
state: 5:45
